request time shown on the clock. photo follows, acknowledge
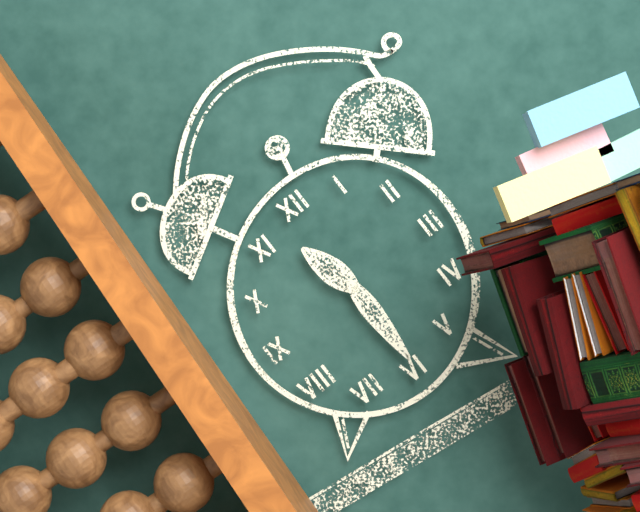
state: 11:30
